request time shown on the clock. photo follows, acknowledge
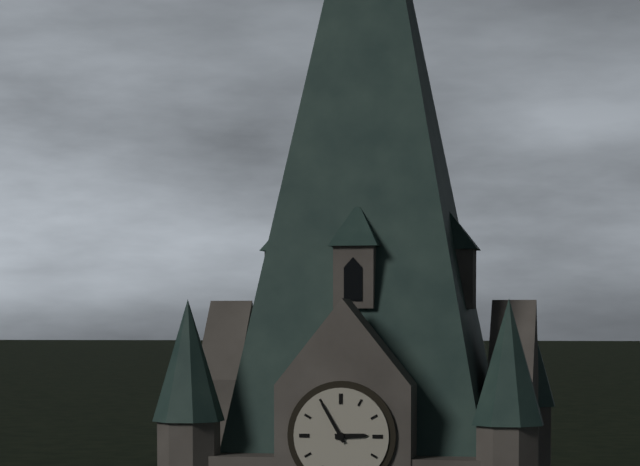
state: 2:55
